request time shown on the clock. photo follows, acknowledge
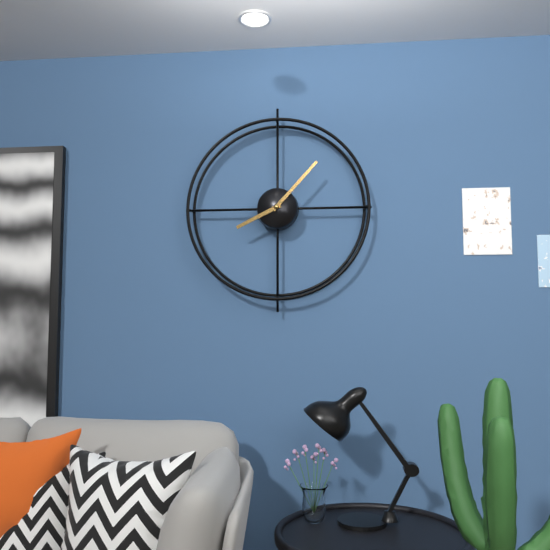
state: 8:07
